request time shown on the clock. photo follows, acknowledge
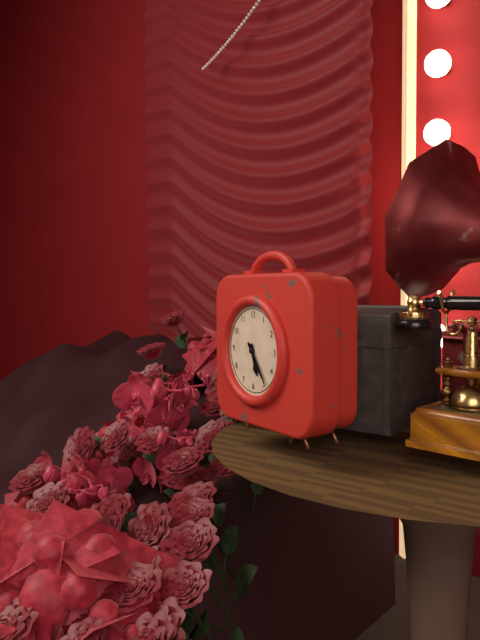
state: 5:24
